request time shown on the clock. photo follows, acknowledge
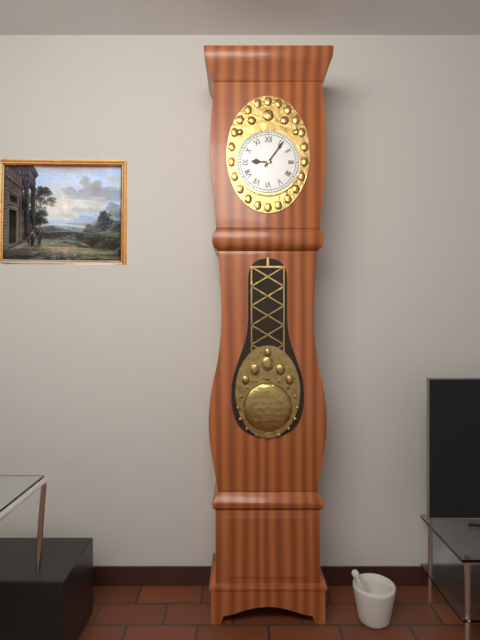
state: 9:06
